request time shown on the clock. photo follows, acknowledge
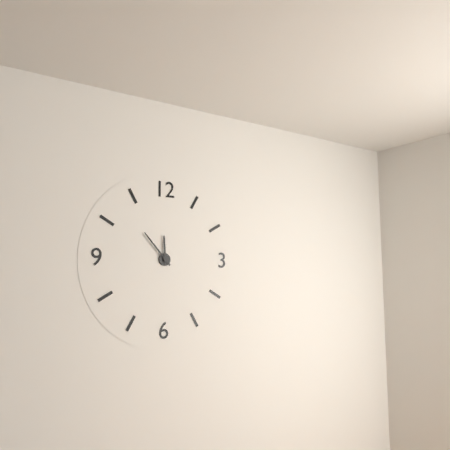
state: 11:53
